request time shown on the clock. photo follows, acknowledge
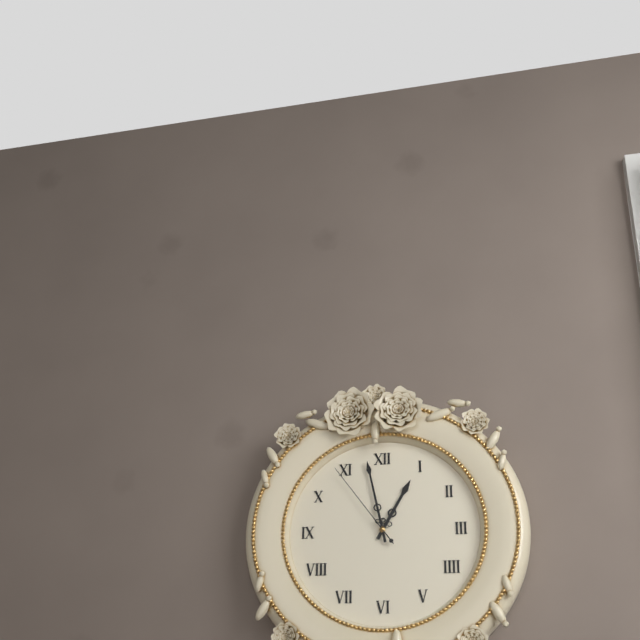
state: 12:58:54
